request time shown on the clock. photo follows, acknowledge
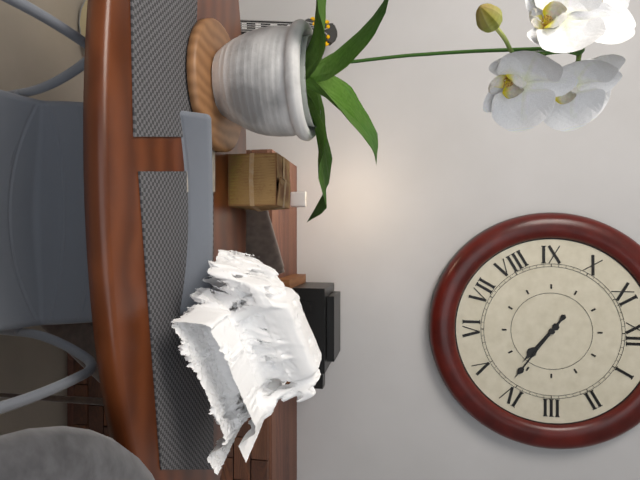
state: 4:21
